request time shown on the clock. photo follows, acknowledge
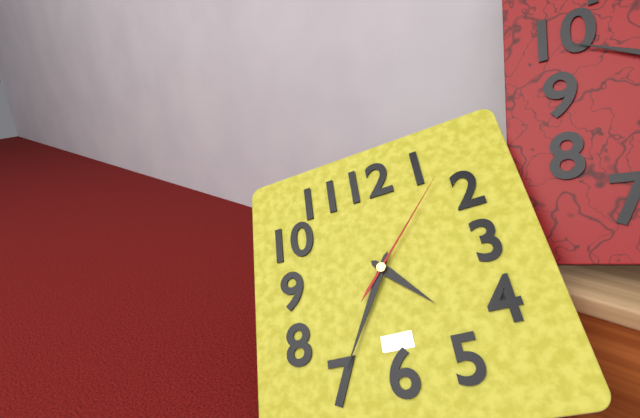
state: 4:35:07
